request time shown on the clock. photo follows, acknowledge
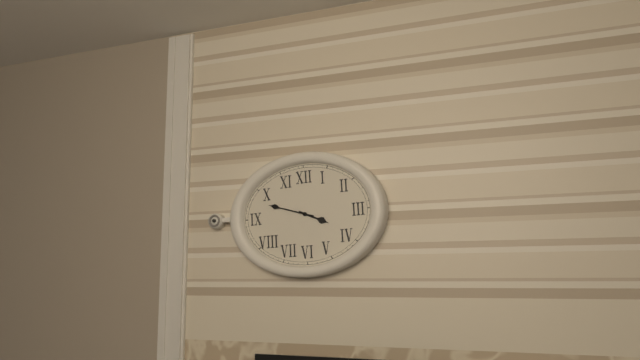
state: 3:48
